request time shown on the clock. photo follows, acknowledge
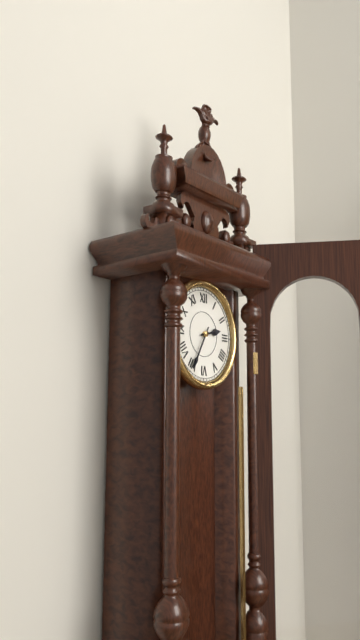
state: 2:35
